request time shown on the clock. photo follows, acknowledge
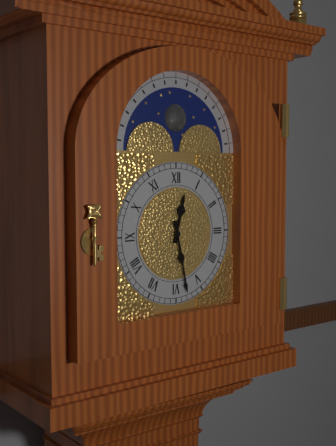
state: 12:28
